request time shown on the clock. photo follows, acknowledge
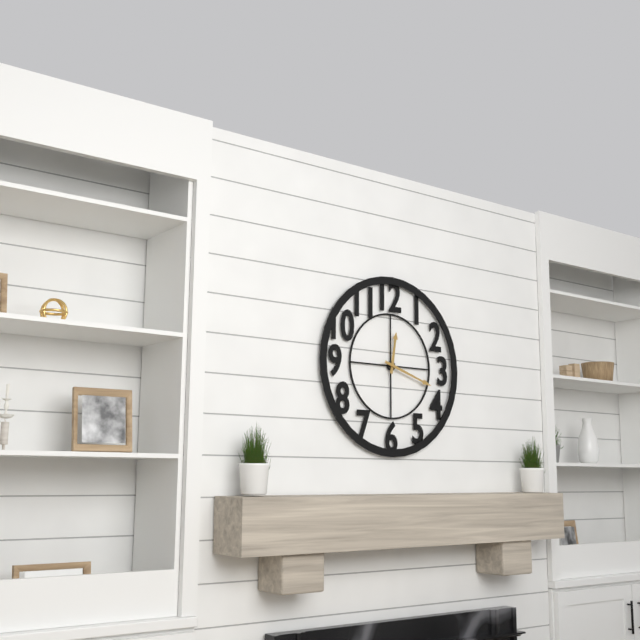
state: 12:18
